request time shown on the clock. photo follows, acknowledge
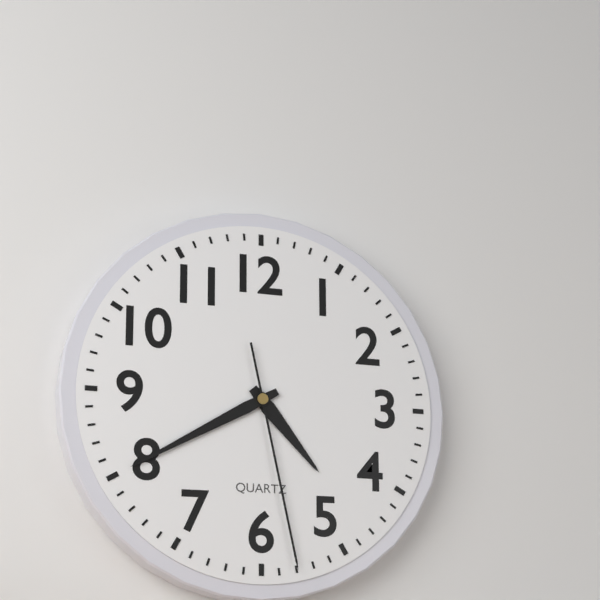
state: 4:40:28
